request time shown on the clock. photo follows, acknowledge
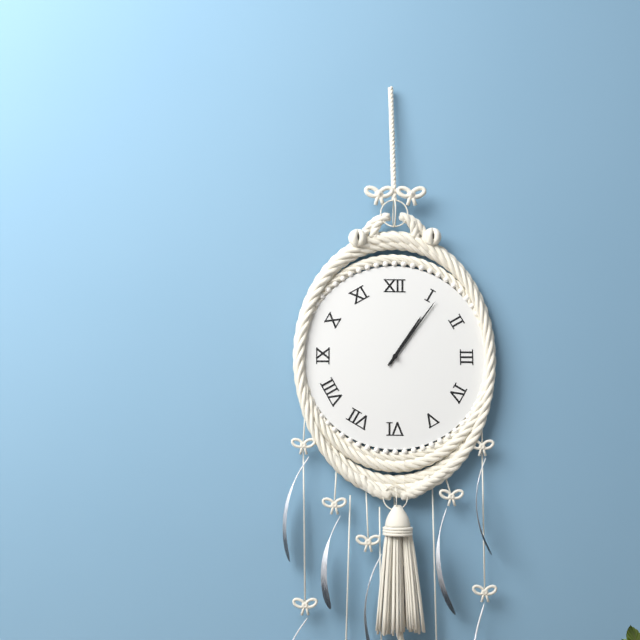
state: 1:06
